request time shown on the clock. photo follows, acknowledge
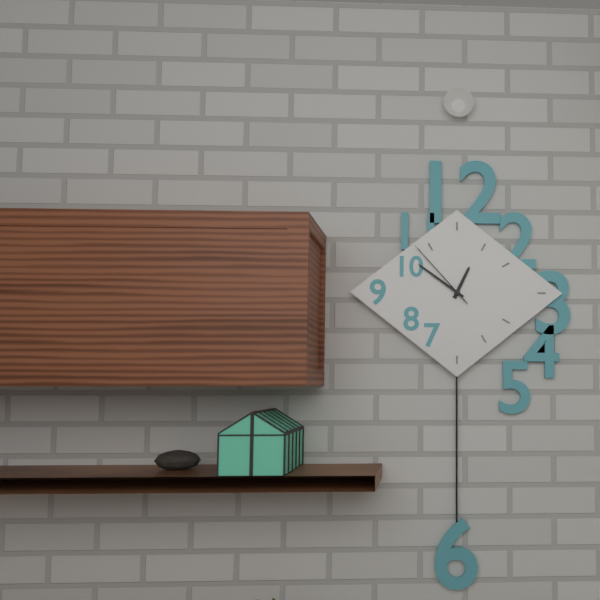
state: 12:51:53
